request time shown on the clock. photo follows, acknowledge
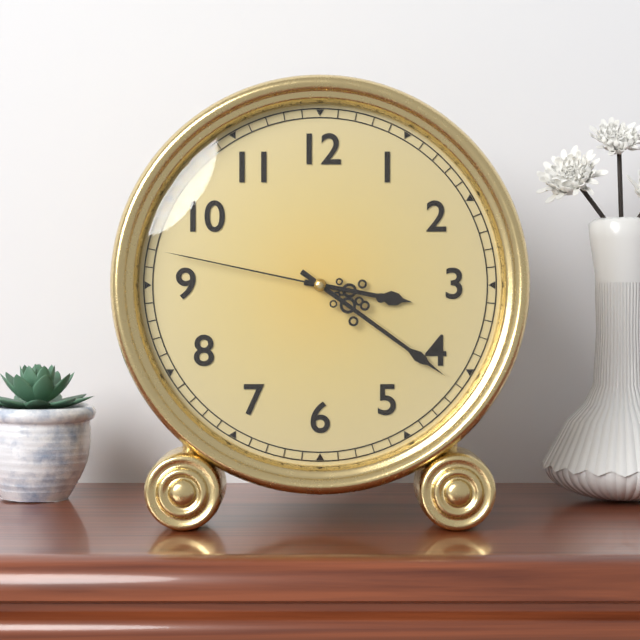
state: 3:21:47
